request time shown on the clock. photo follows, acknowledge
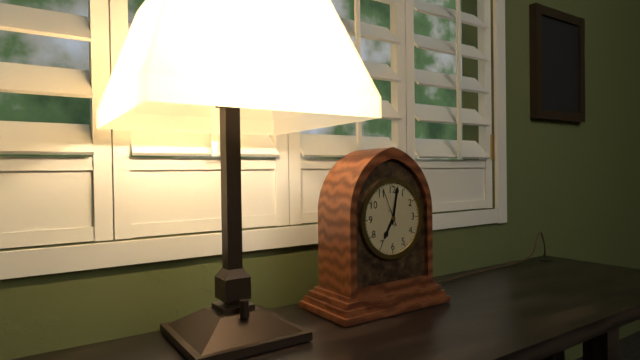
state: 7:02
